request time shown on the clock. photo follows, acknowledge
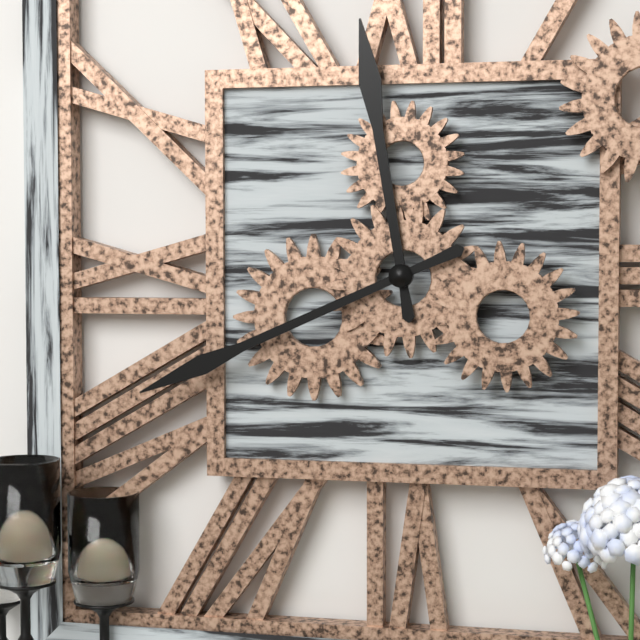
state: 11:41
